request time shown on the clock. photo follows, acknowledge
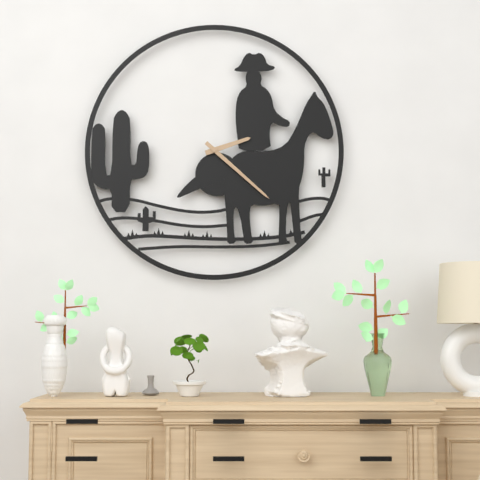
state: 2:22
